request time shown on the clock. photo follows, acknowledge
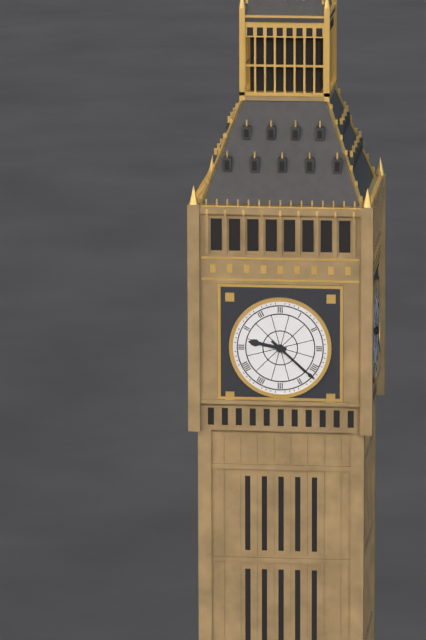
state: 9:22
